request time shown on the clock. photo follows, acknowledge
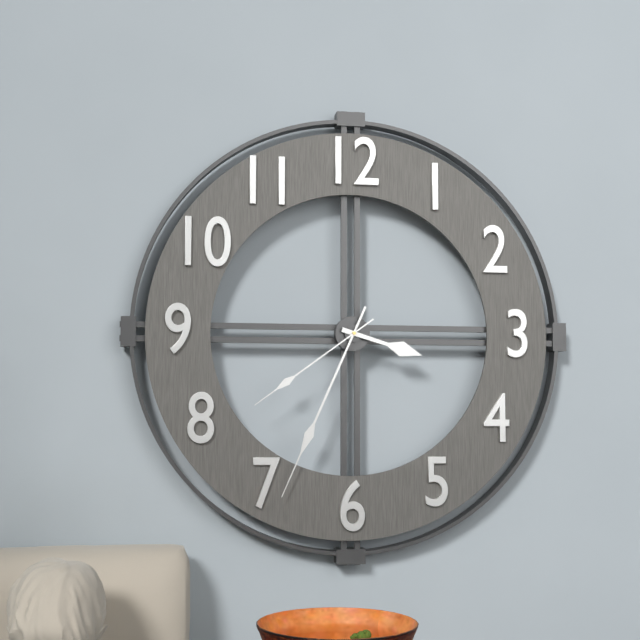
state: 3:34:39
